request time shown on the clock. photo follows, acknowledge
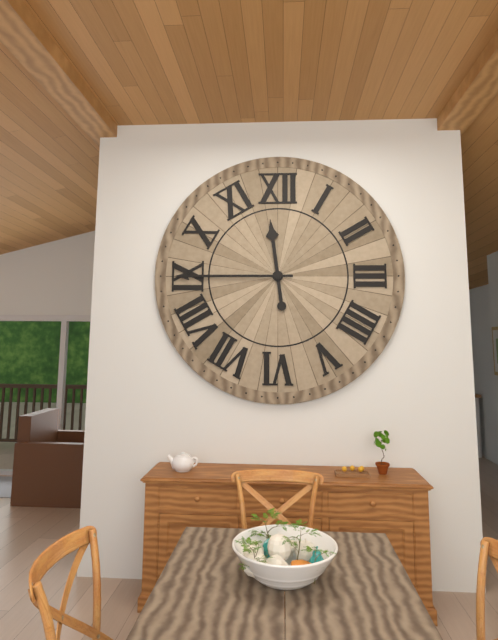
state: 11:45
